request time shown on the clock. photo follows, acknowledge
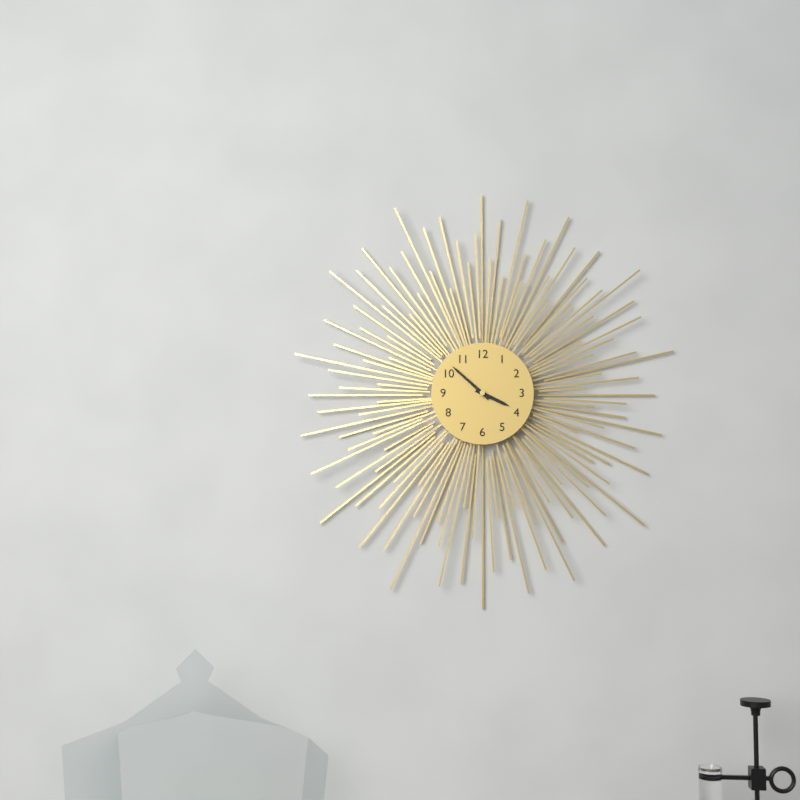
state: 3:52
